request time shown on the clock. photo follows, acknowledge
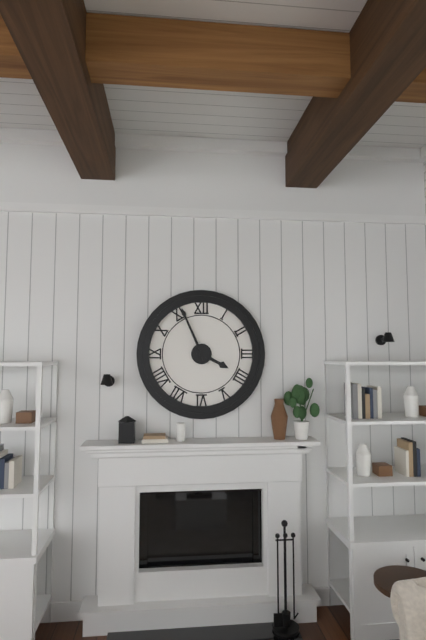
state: 3:56
